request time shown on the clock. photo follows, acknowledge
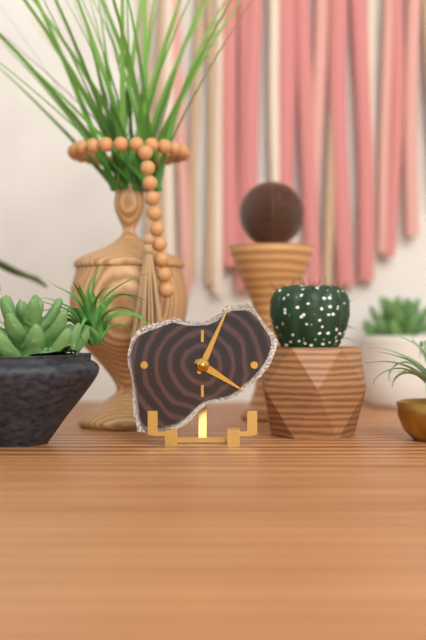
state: 4:04
